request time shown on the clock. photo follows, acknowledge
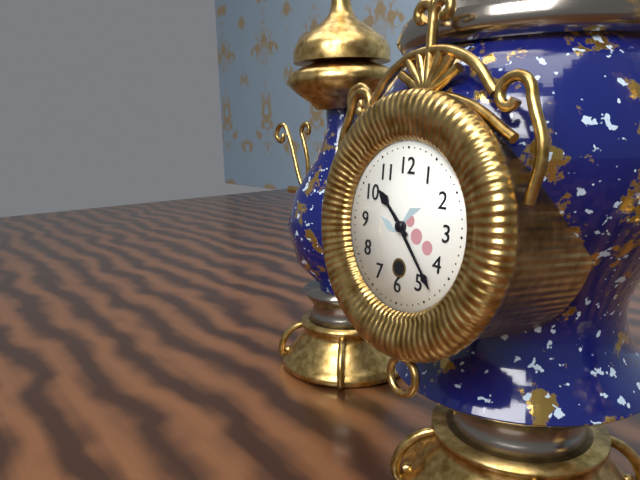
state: 10:23
